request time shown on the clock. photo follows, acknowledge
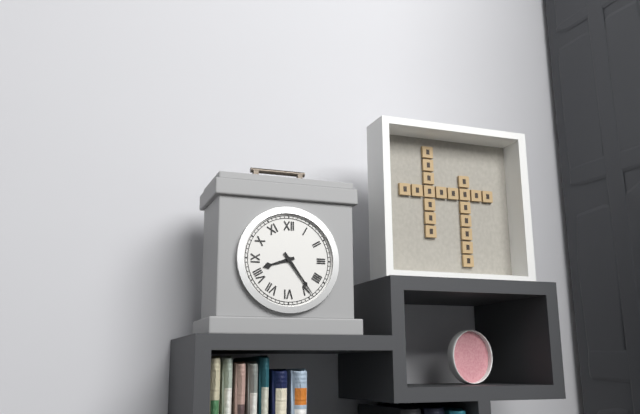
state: 8:24
